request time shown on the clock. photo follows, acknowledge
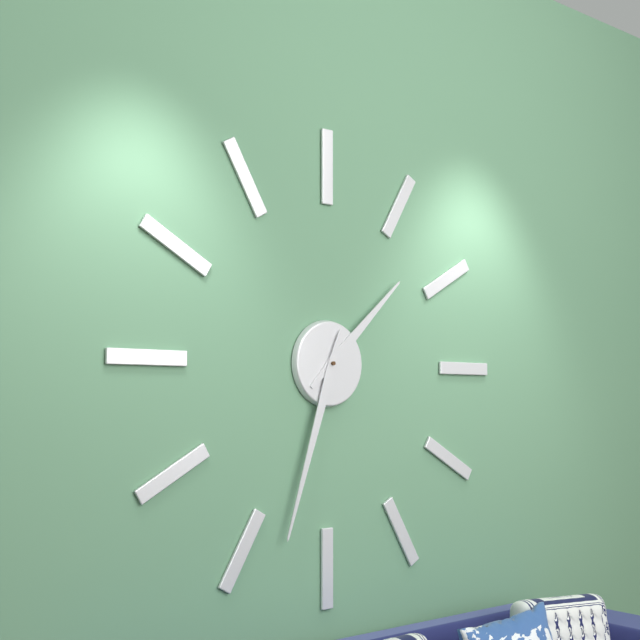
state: 1:33
